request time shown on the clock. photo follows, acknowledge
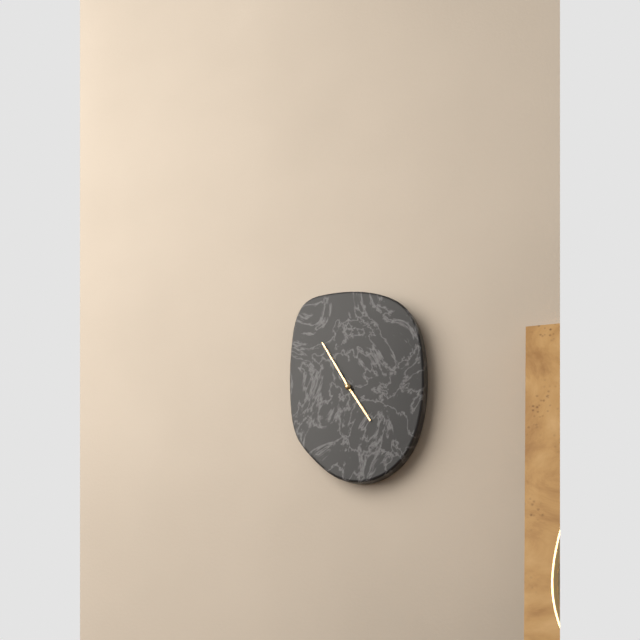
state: 4:55
